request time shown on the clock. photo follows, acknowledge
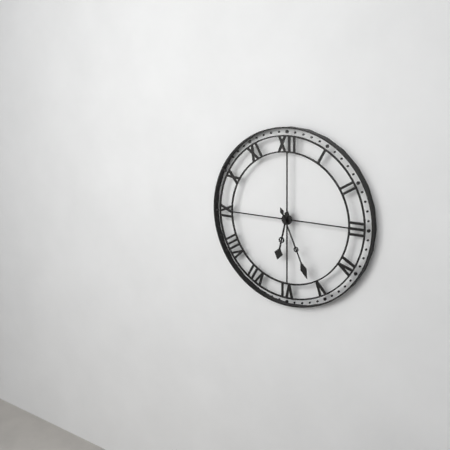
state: 6:26
